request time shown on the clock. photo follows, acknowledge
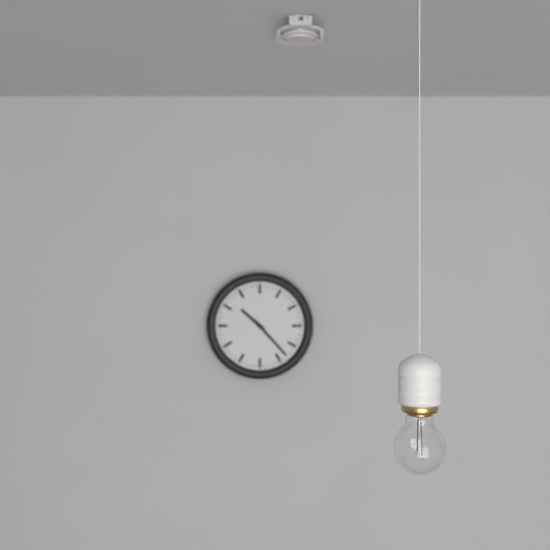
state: 10:23
